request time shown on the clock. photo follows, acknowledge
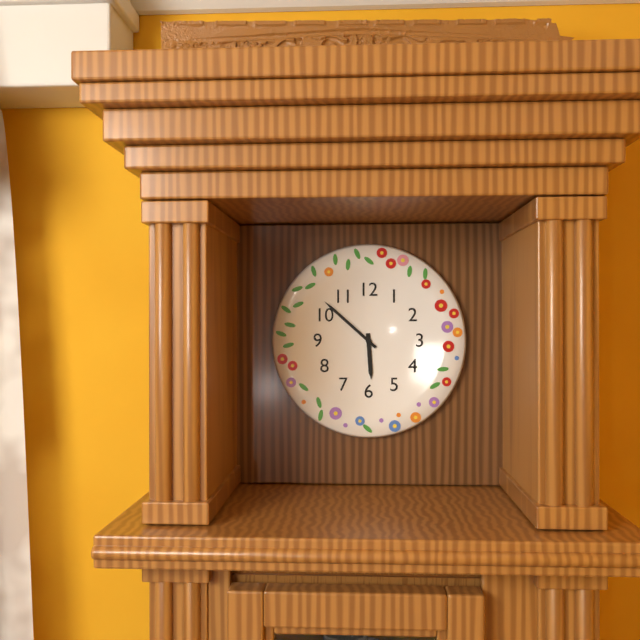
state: 5:52
